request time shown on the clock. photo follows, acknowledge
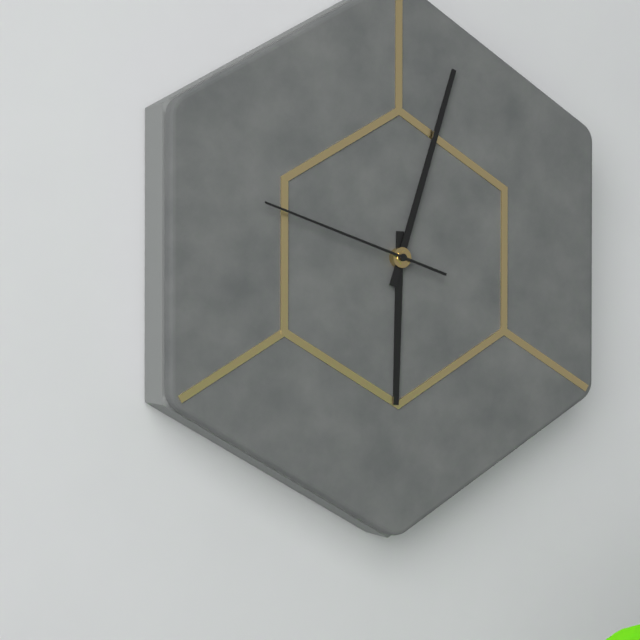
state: 6:03:48
